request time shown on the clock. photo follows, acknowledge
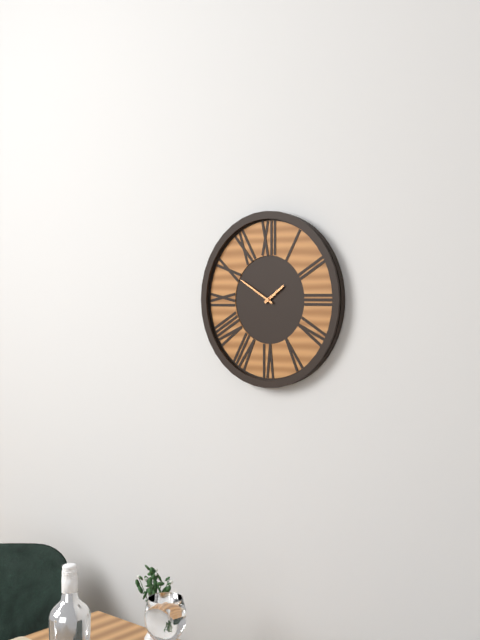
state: 1:50
